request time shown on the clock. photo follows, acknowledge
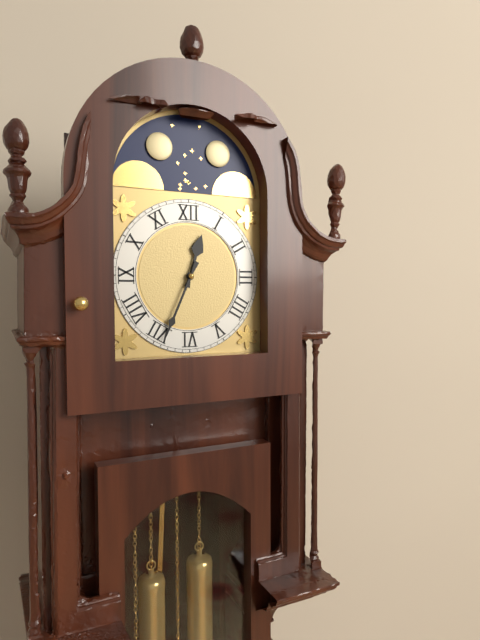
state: 12:34
